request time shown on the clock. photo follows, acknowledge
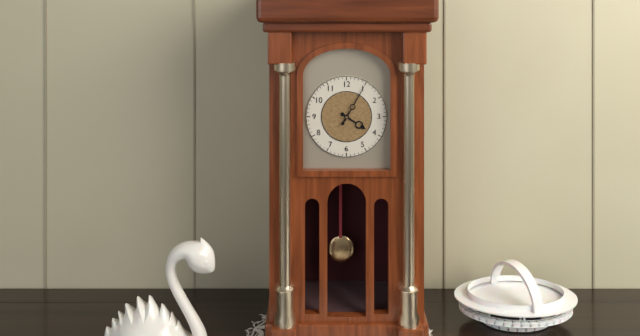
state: 4:05
